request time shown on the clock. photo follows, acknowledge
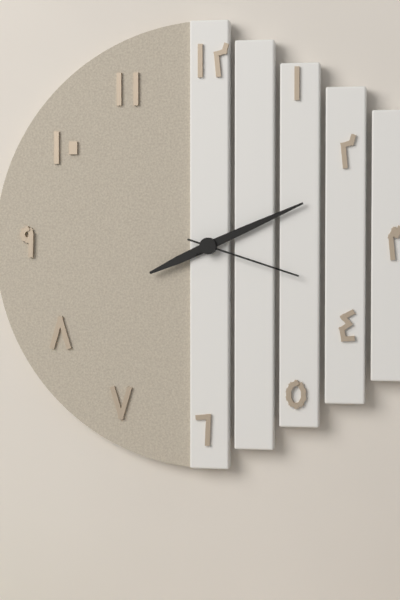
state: 8:11:18
